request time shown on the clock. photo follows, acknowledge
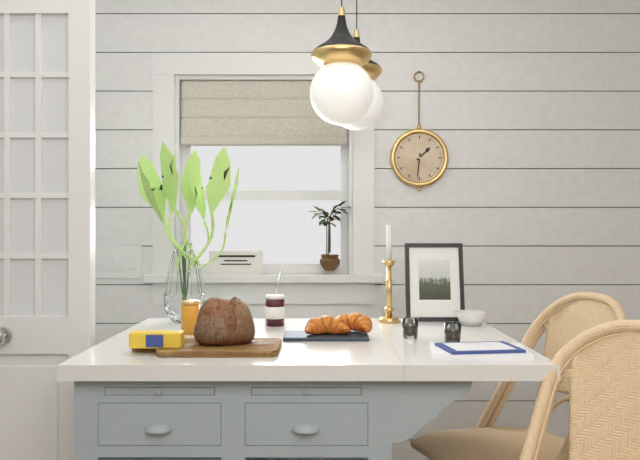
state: 1:31
